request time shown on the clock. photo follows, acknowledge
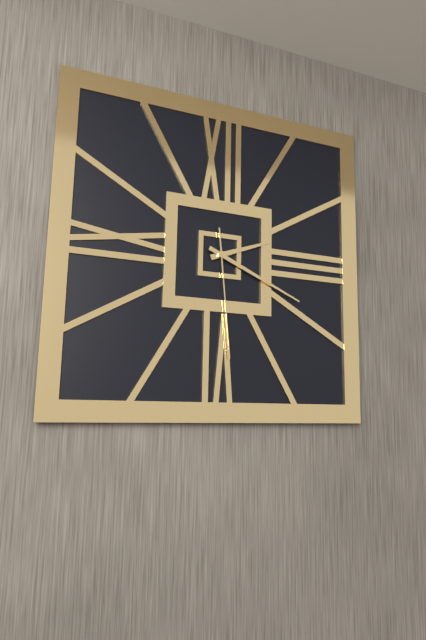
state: 2:19:29
